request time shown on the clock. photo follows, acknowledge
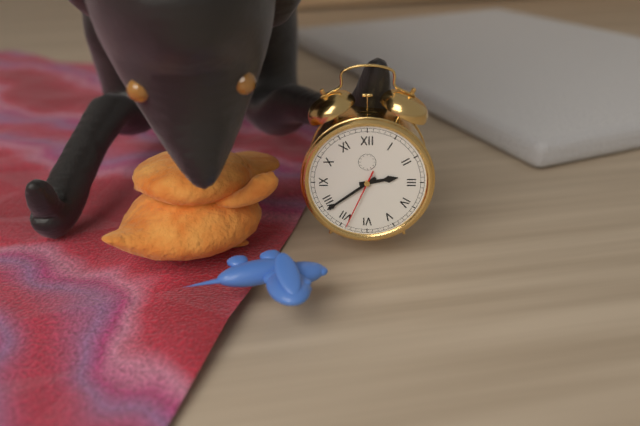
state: 2:39:34
